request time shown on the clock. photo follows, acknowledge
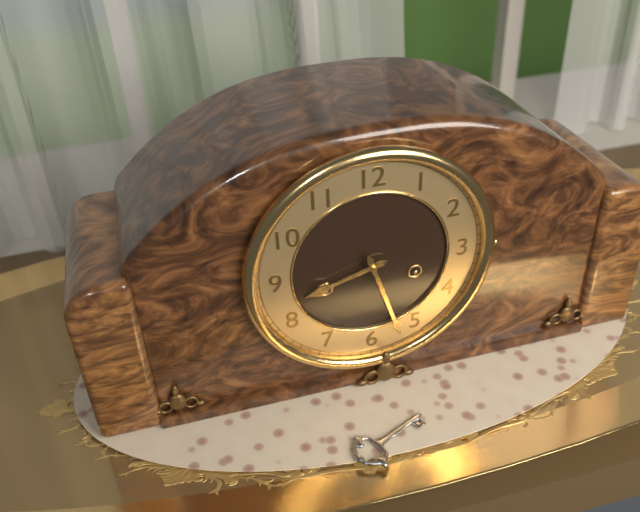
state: 8:27
